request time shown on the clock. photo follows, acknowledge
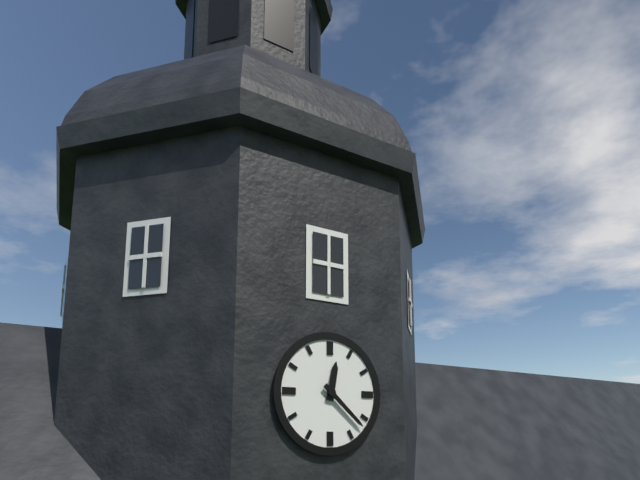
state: 12:22
